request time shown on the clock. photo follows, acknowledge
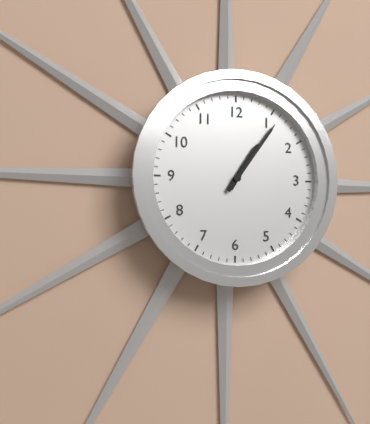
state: 1:06
